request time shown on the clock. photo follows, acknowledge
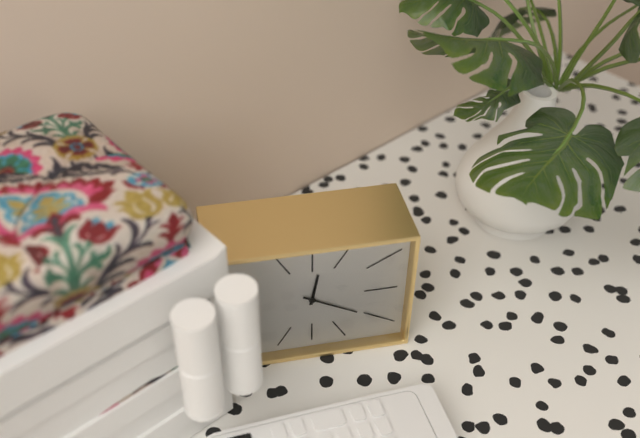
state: 12:20
